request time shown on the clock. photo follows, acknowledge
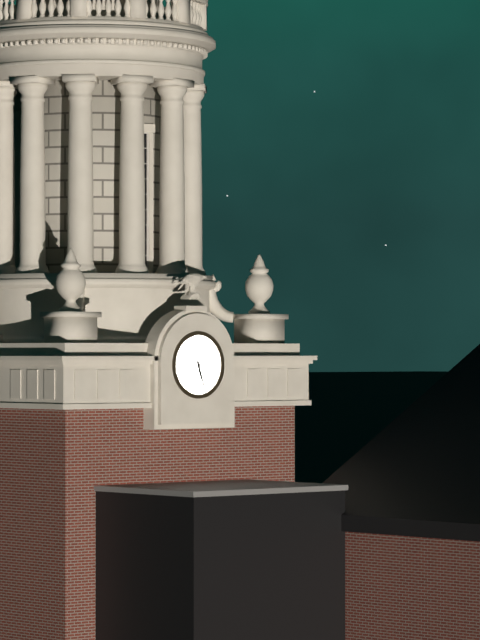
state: 5:27
